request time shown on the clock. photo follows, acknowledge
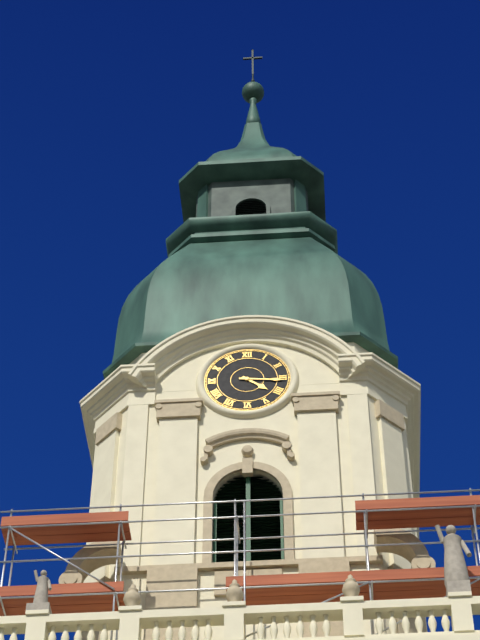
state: 4:16
